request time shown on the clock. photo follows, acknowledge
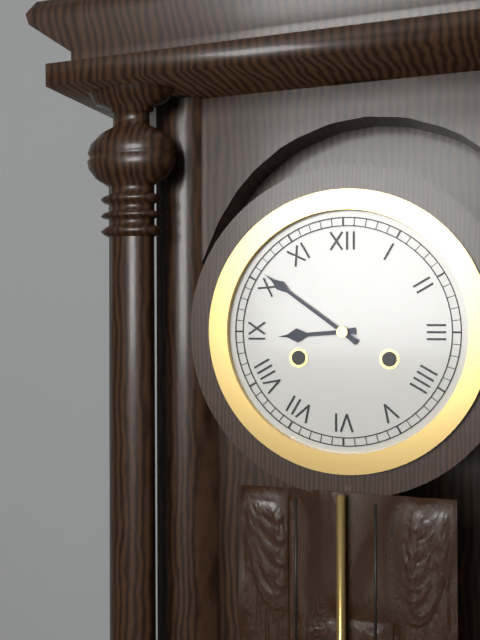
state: 8:51
